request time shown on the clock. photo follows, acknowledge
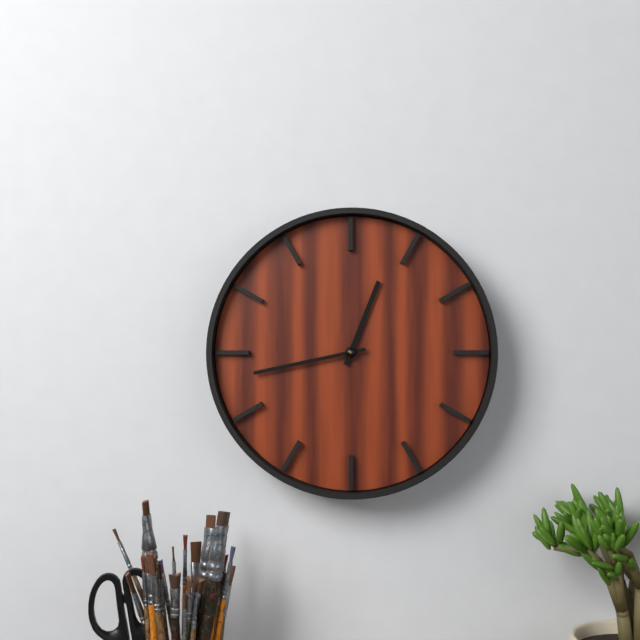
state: 12:43
